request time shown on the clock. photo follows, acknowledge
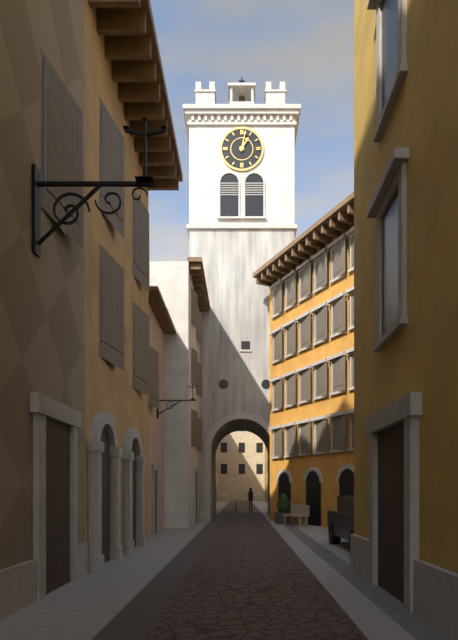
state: 1:02
